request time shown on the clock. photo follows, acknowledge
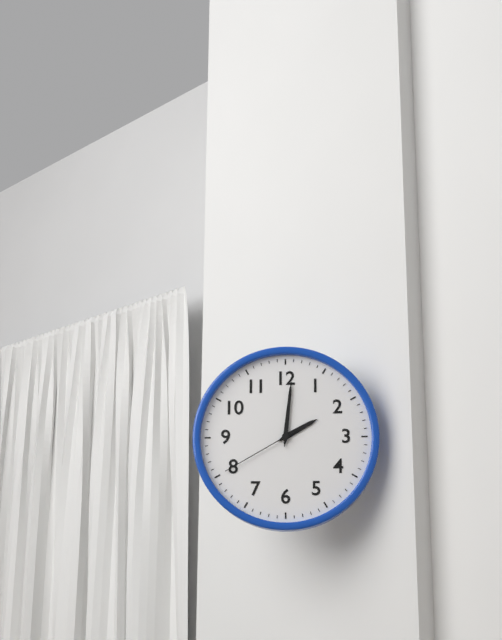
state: 2:01:40
